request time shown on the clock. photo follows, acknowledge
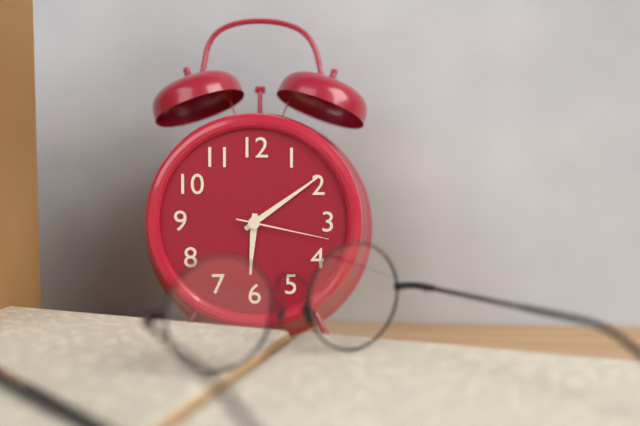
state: 6:09:17
